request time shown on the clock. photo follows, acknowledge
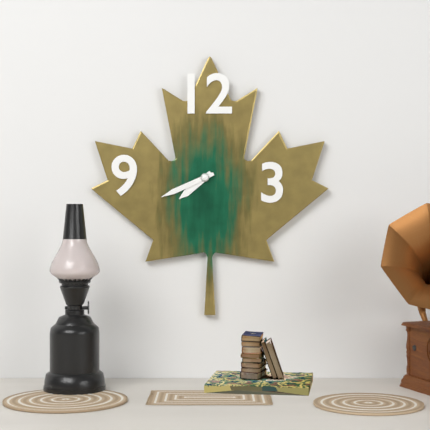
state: 7:41
